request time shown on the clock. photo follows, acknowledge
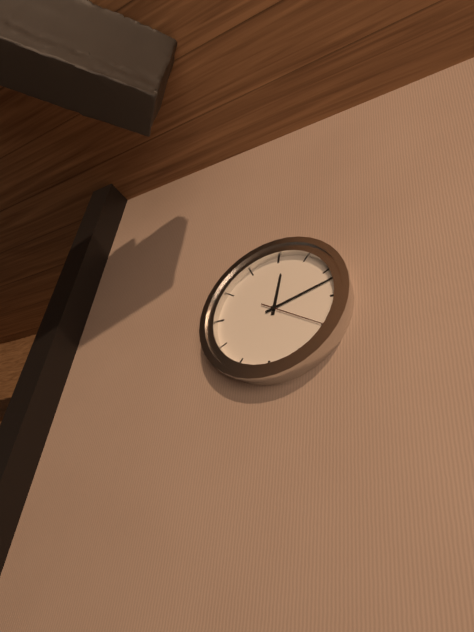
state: 12:12:20
